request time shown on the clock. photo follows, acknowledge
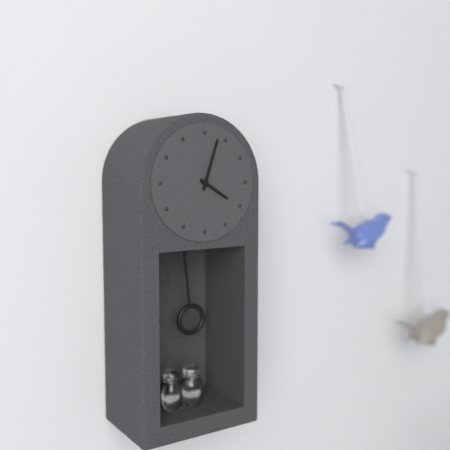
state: 4:03
